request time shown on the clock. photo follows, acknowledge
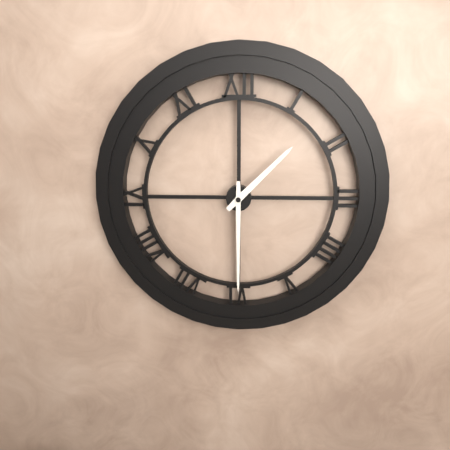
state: 1:30
